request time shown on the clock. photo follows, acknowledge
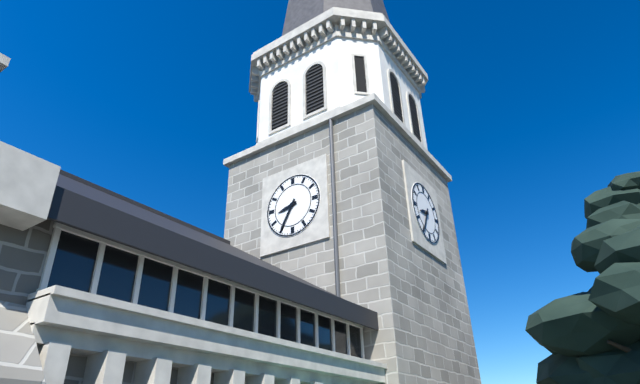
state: 8:35
